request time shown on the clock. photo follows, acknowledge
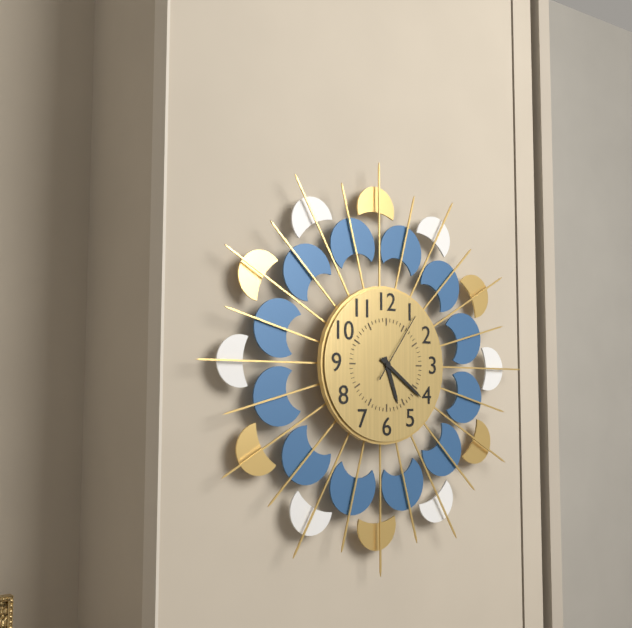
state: 5:21:06
